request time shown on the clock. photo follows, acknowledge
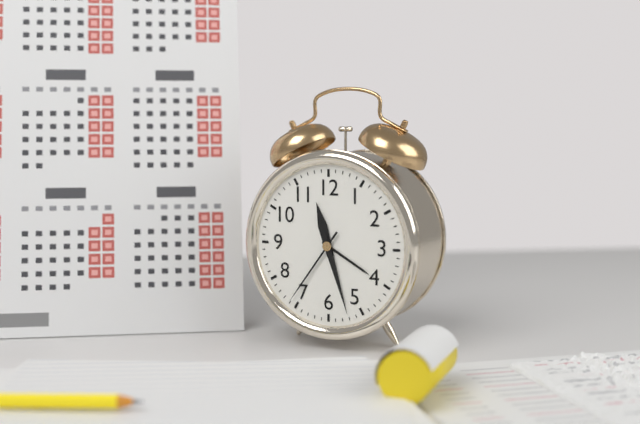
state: 11:27:36
